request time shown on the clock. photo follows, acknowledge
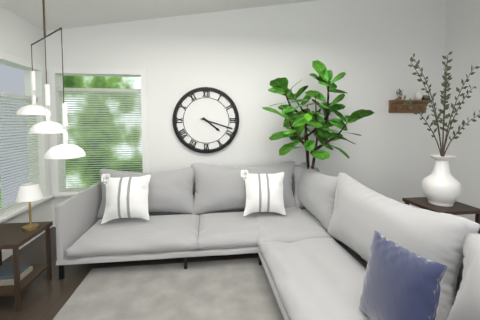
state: 4:18
